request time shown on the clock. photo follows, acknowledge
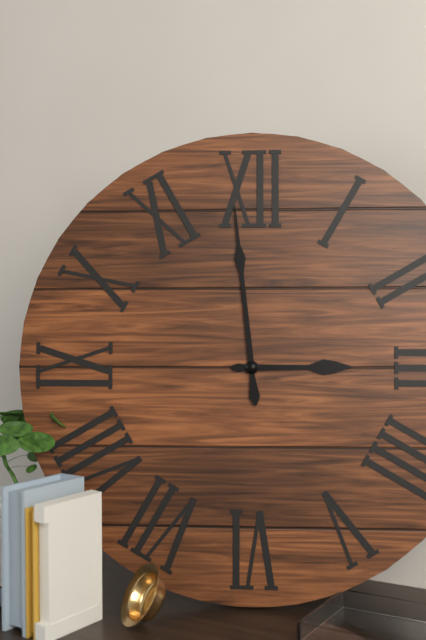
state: 2:59
